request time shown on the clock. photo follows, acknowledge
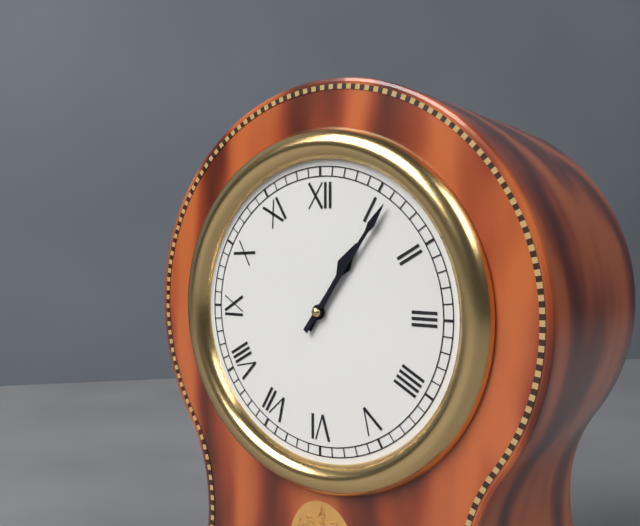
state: 1:06
